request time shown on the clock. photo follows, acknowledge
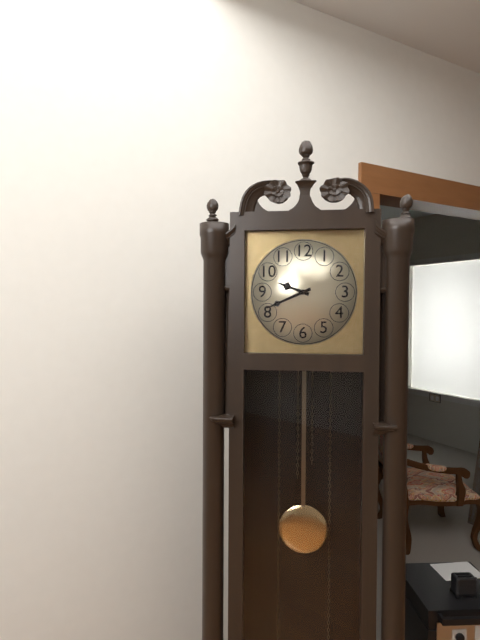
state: 9:41
